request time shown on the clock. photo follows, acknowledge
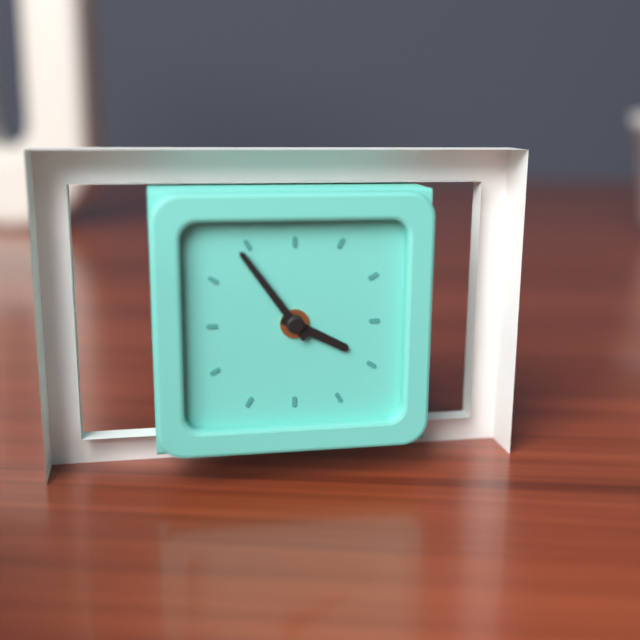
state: 3:54
